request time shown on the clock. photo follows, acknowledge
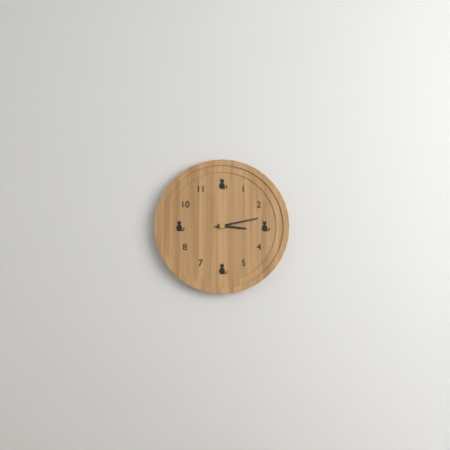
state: 3:13
